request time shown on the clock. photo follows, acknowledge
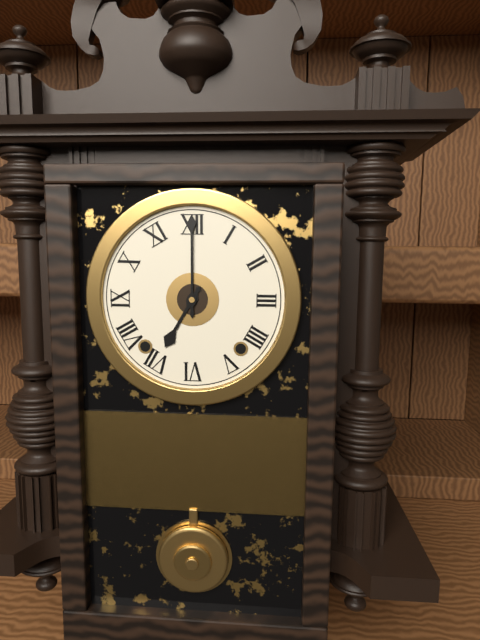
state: 7:00
